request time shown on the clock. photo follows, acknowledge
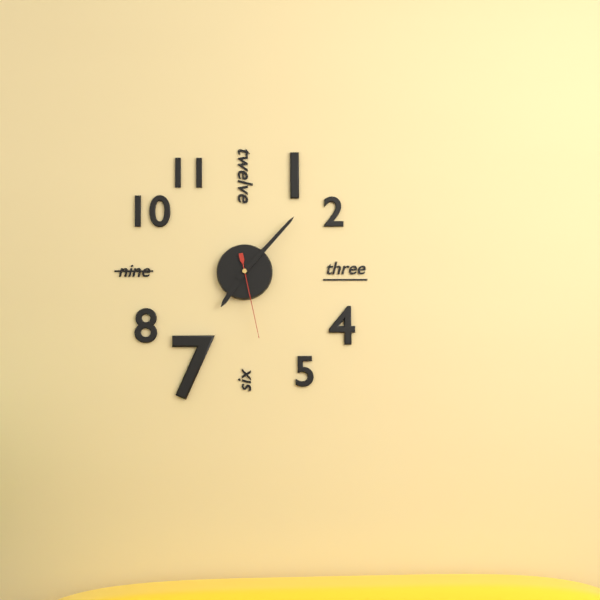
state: 7:07:28
